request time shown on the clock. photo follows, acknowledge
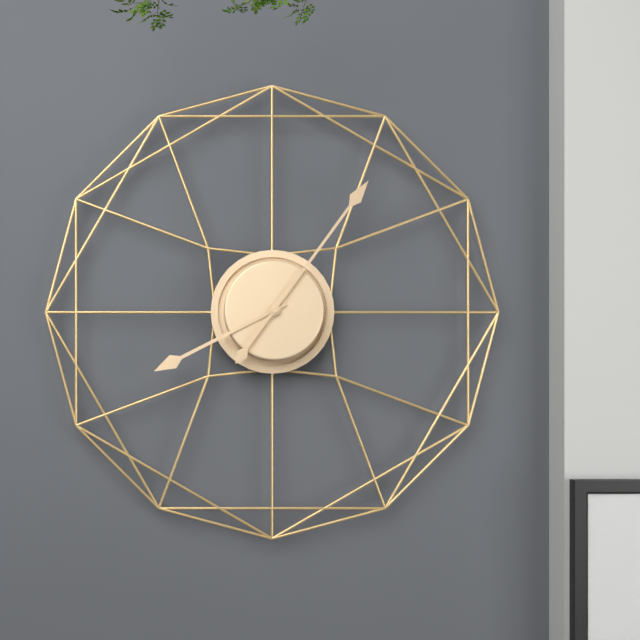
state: 8:06
